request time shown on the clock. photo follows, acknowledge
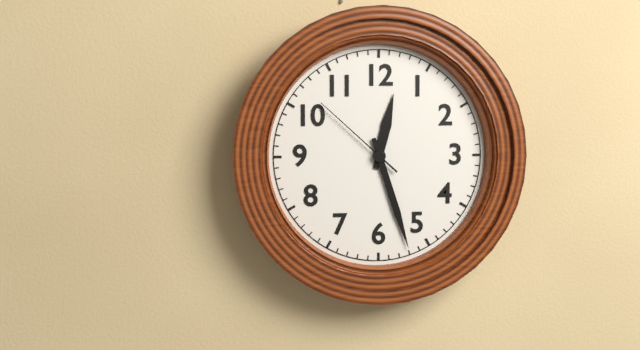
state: 12:27:52
